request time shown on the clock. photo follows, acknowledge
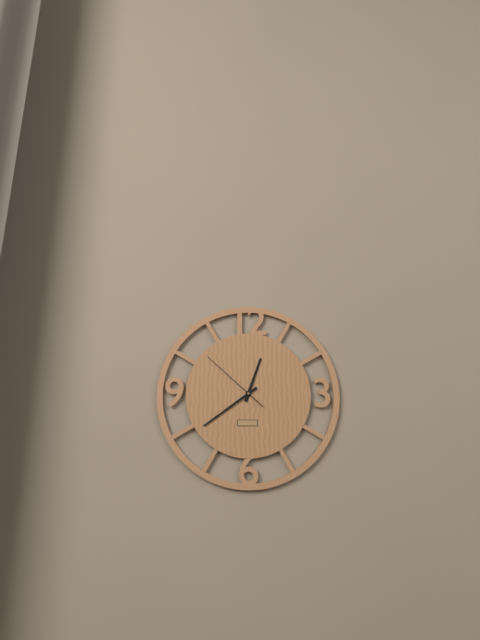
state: 12:39:52
